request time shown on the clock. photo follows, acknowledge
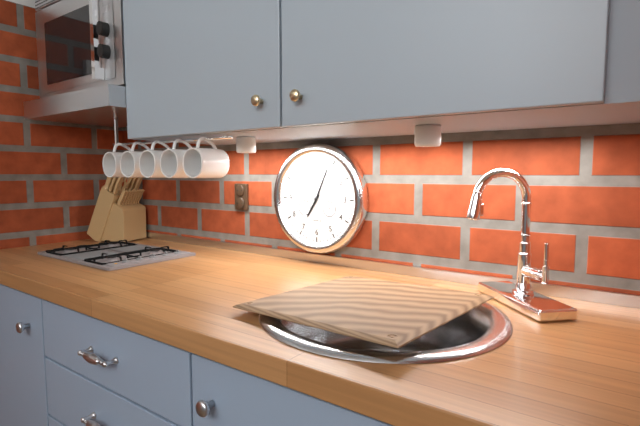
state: 7:04
